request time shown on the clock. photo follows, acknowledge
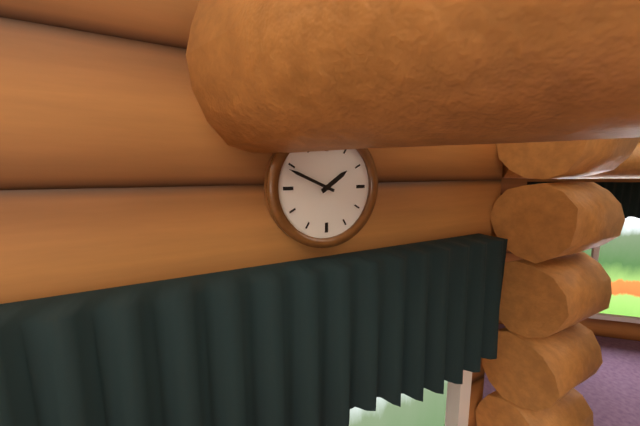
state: 1:49
